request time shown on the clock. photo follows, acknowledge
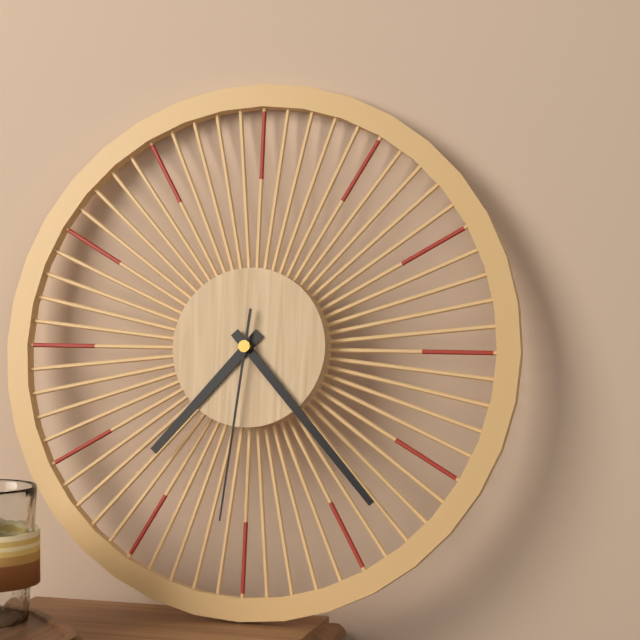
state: 7:23:31
